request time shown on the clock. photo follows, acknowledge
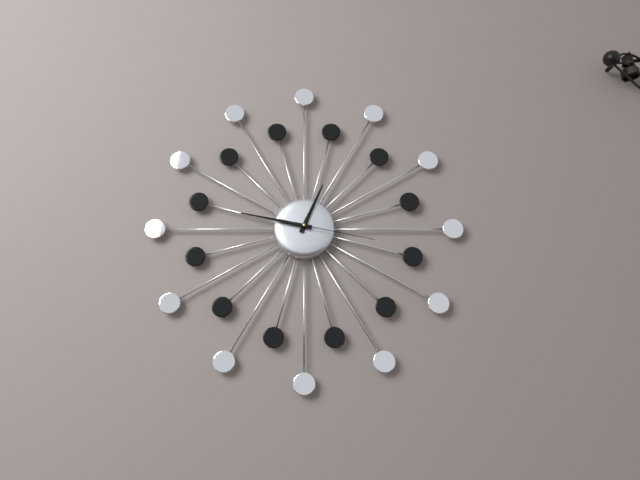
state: 12:47:17
